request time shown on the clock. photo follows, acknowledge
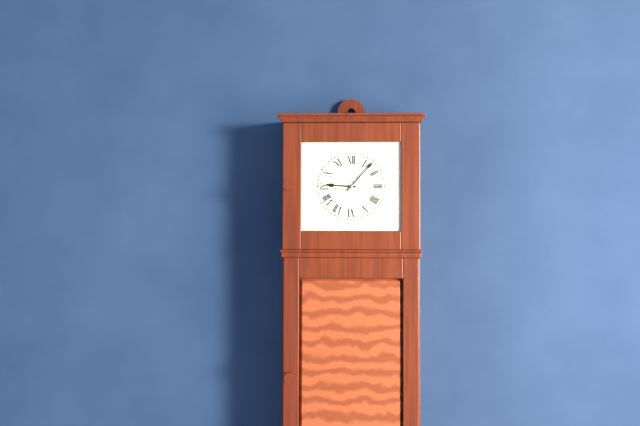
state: 9:07
